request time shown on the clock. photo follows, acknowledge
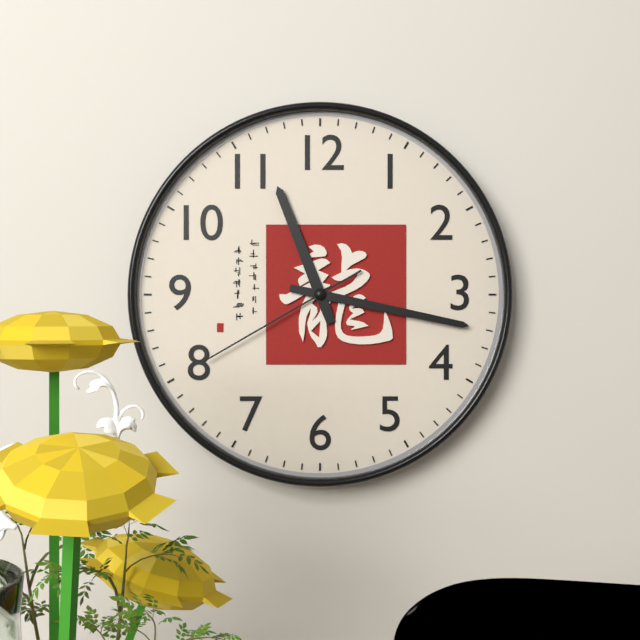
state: 11:17:40
